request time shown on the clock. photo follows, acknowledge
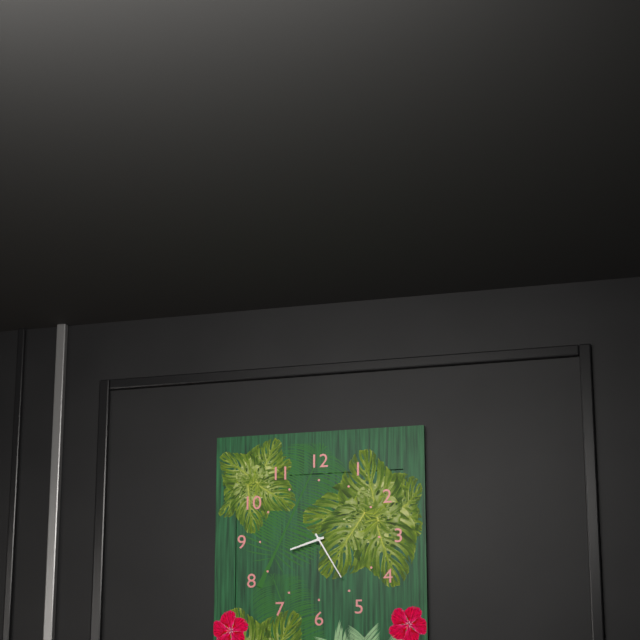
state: 8:25
